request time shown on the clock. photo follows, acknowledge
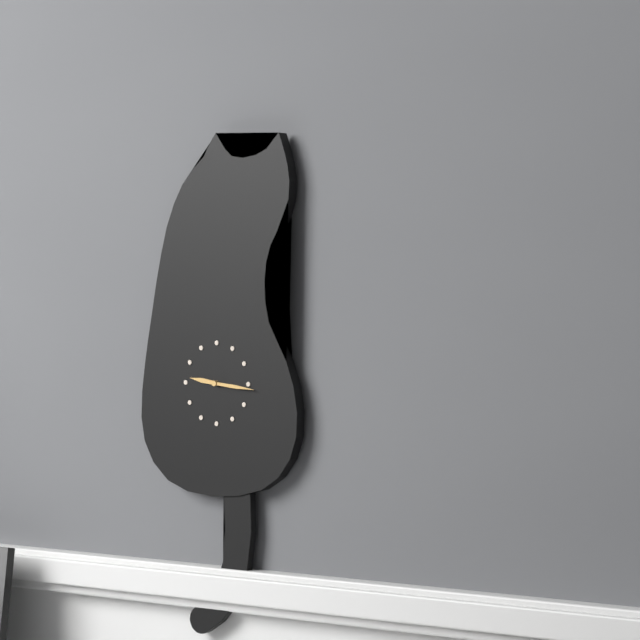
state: 9:16
